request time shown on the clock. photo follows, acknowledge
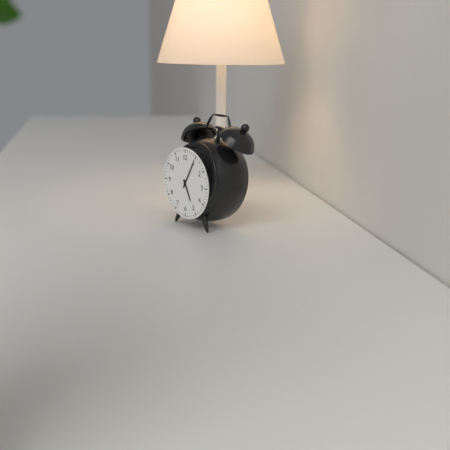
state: 5:05
